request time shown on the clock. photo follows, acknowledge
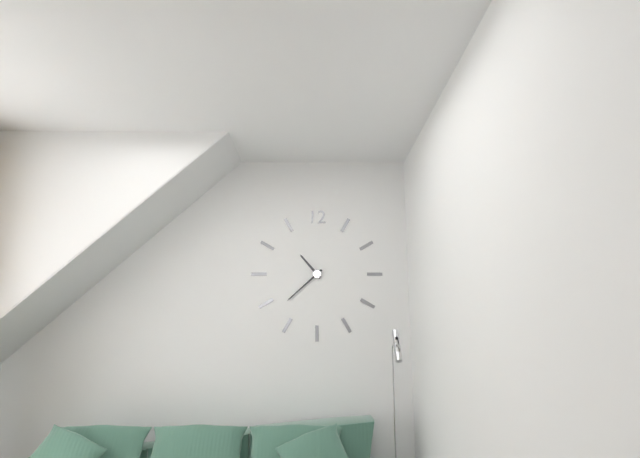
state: 10:38
